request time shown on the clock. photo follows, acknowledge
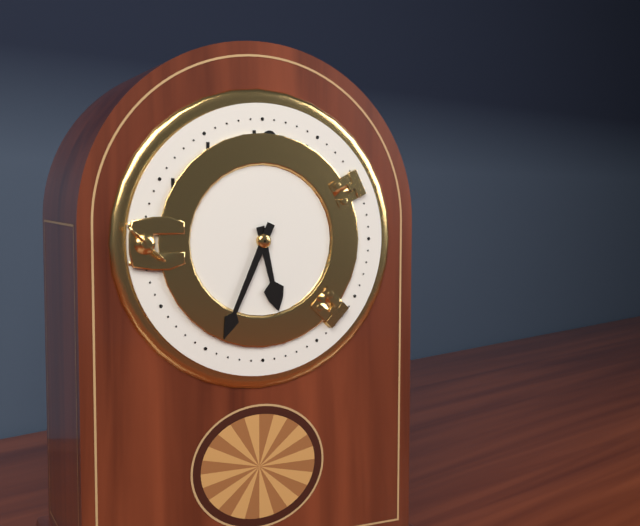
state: 5:34
